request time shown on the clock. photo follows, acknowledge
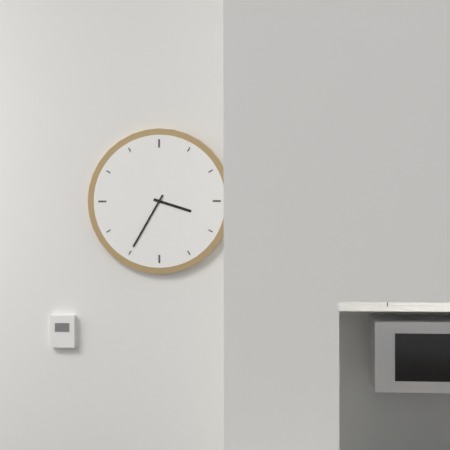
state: 3:35
